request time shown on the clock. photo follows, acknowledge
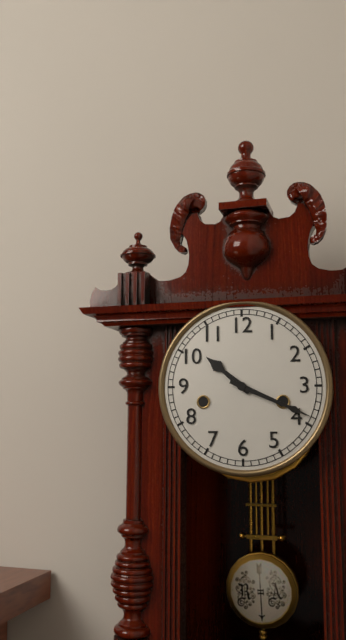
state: 10:19
